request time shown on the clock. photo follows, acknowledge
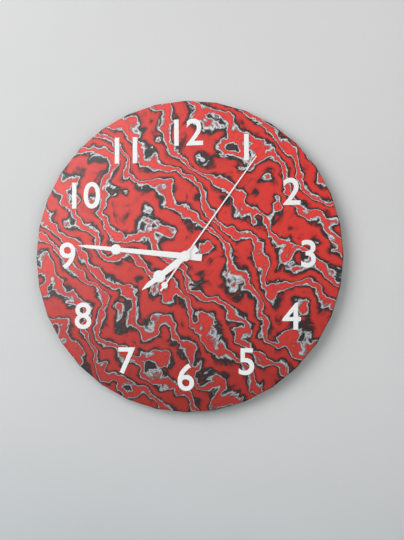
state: 7:46:06
